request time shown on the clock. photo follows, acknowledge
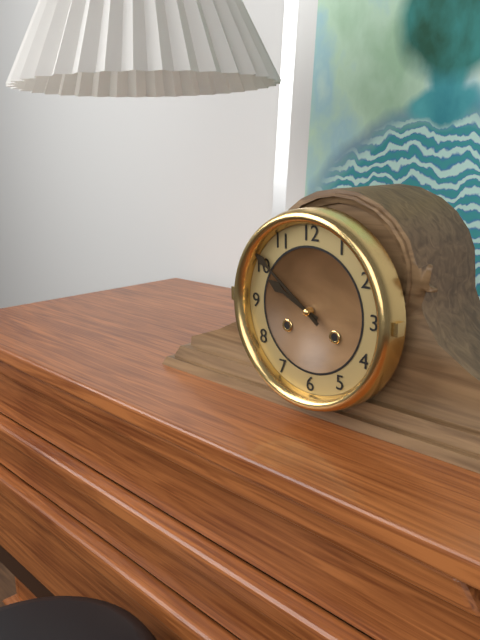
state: 9:51
